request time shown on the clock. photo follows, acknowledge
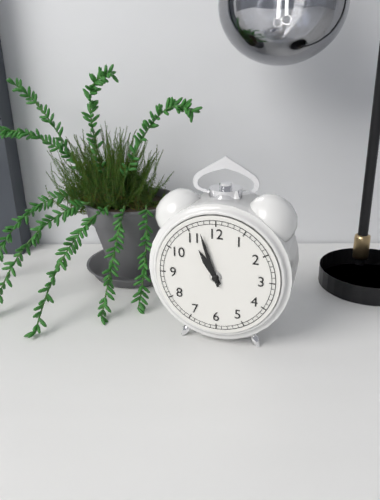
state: 10:57
